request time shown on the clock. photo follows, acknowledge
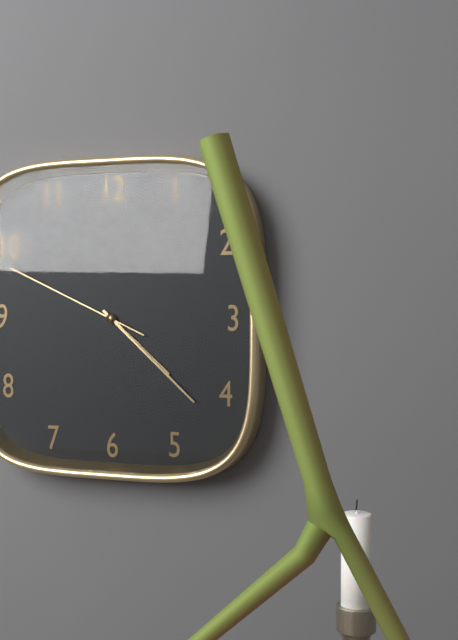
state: 4:22:49
